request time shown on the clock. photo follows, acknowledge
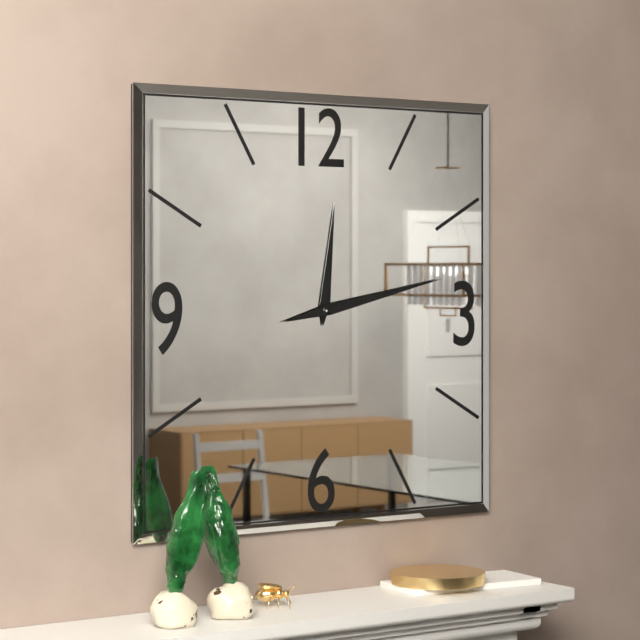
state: 12:13
